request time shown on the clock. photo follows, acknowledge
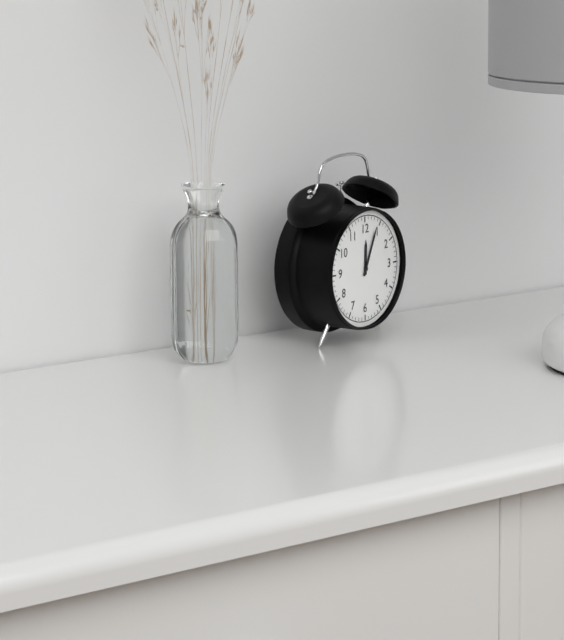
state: 12:04
